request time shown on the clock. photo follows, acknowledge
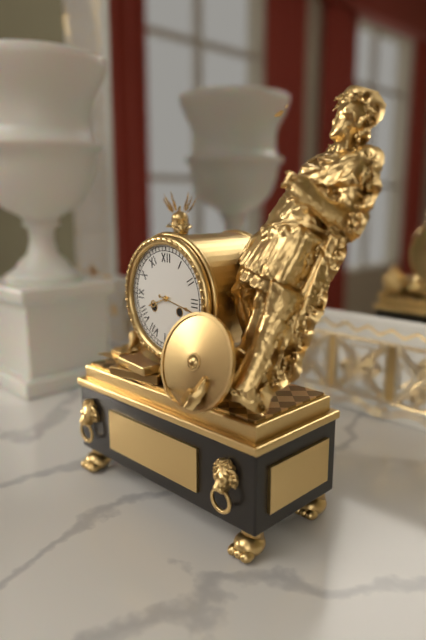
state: 8:17
